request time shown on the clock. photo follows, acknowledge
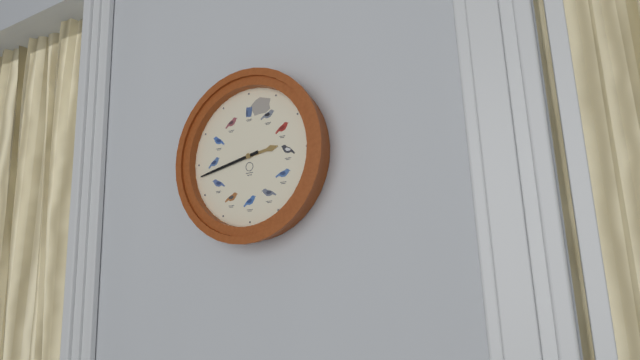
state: 2:43
